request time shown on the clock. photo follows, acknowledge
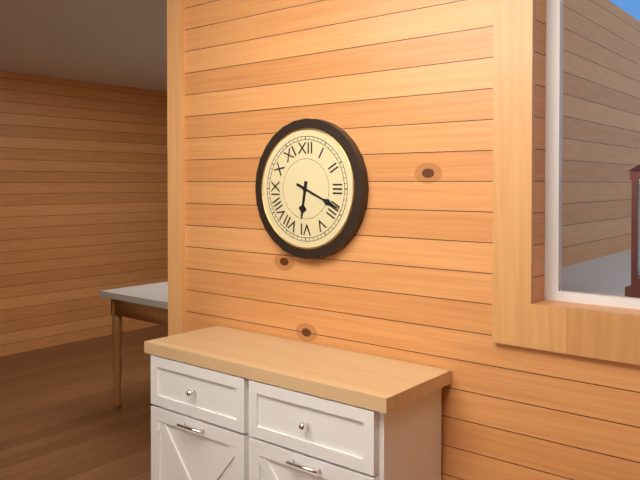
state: 6:19
